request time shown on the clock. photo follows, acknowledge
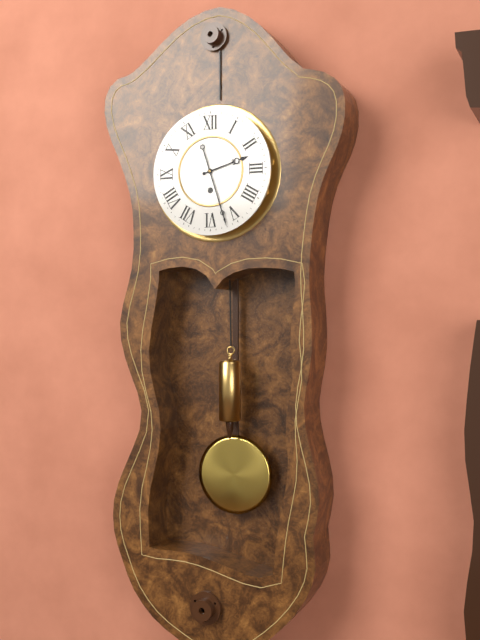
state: 2:27
